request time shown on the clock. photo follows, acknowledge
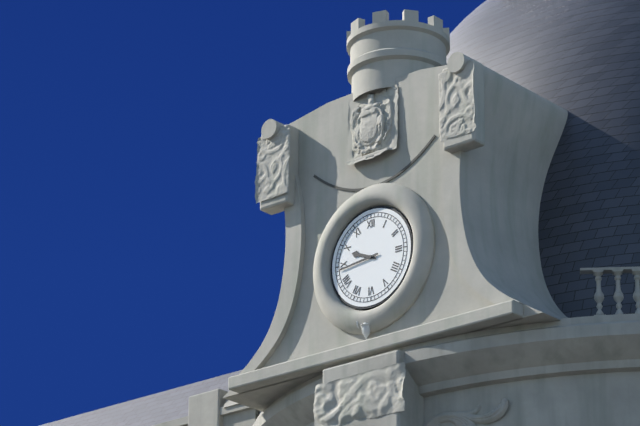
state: 9:44
